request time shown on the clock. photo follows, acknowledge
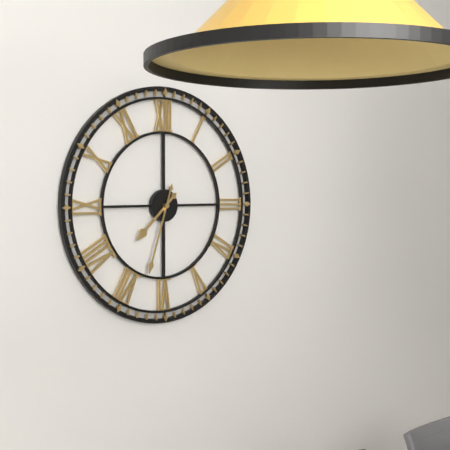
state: 7:33
